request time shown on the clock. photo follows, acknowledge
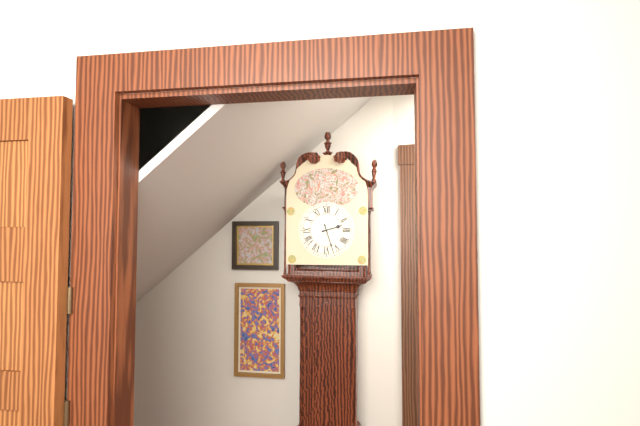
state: 2:27
